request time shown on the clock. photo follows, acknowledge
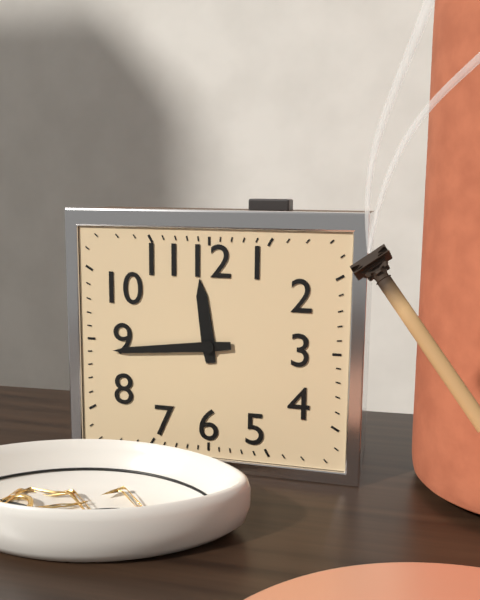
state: 11:44
